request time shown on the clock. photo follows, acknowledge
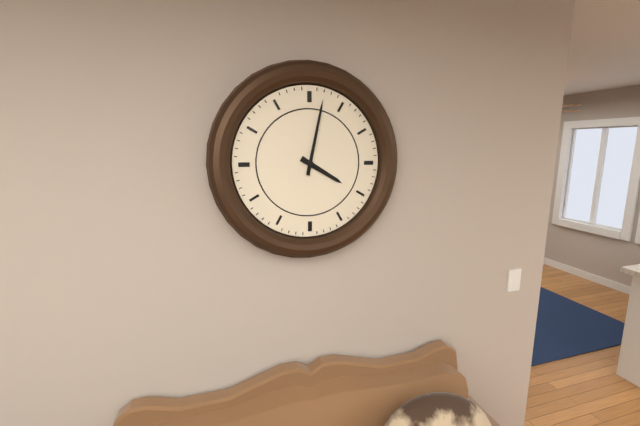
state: 4:02
